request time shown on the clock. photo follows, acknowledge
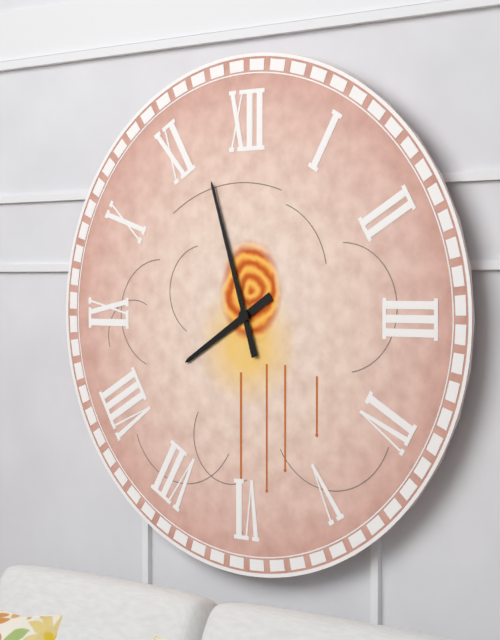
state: 7:57
